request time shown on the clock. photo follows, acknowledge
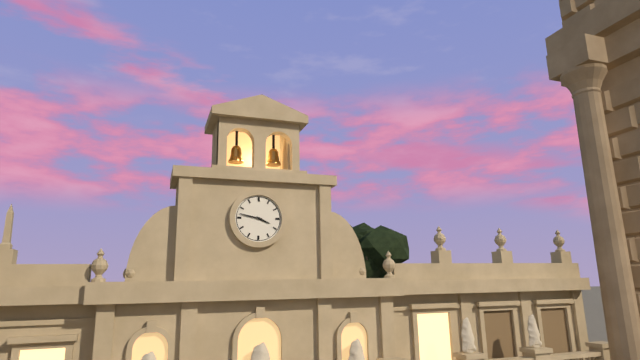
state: 3:47
